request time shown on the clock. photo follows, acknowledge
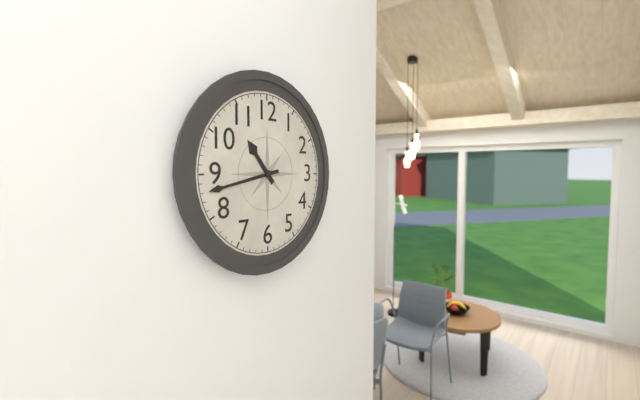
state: 10:43
